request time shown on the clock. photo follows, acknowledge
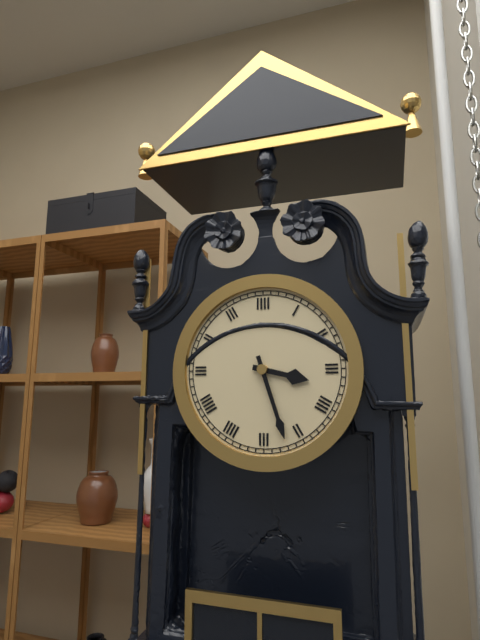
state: 3:27
